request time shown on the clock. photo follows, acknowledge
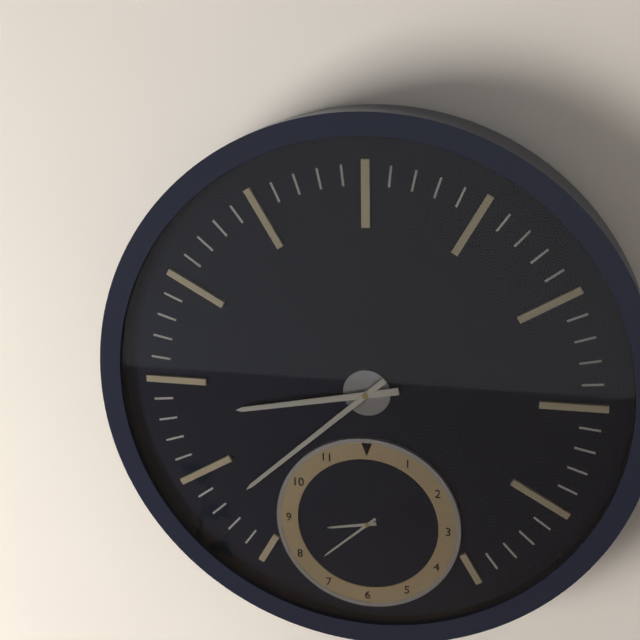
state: 8:38
